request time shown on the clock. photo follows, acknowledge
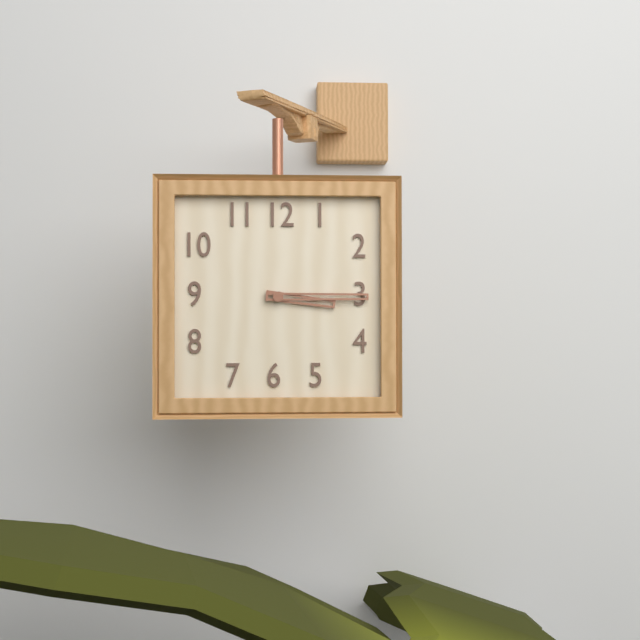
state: 3:15
